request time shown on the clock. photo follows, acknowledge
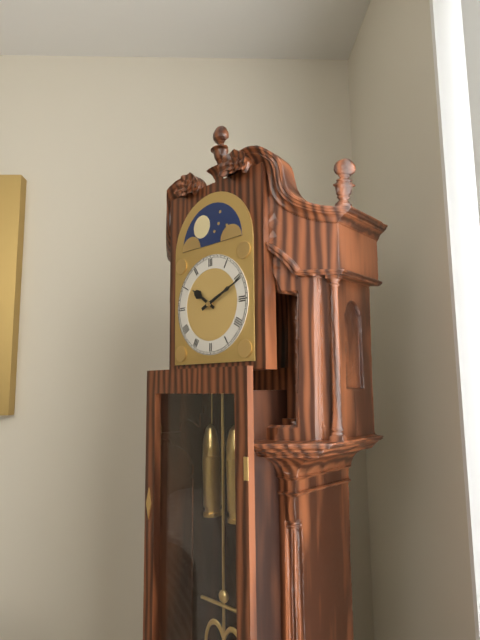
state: 10:11
